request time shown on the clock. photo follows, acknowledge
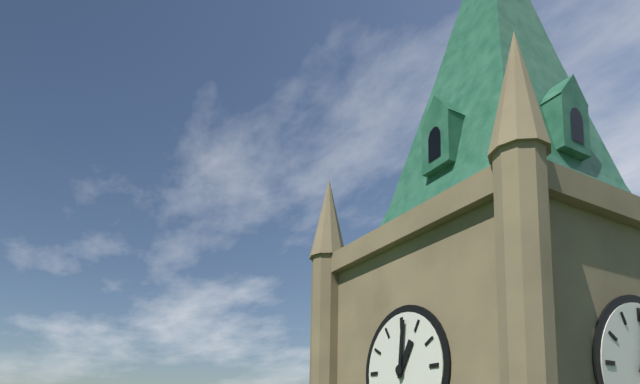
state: 1:01
